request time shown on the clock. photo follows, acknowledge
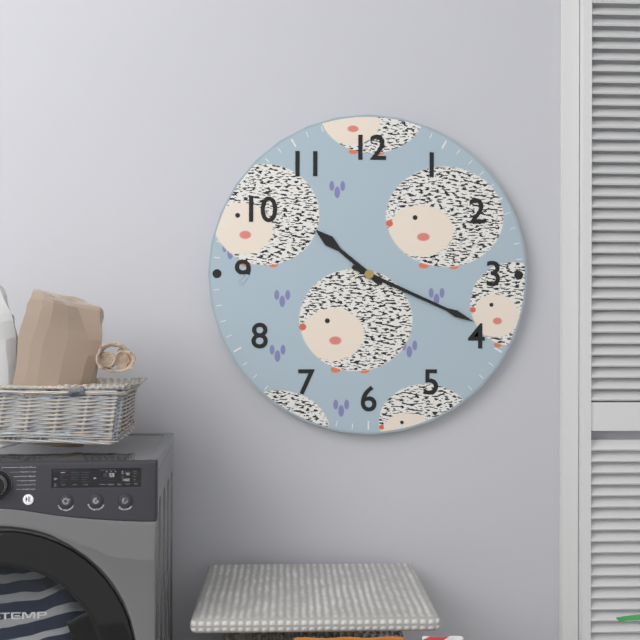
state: 10:19
